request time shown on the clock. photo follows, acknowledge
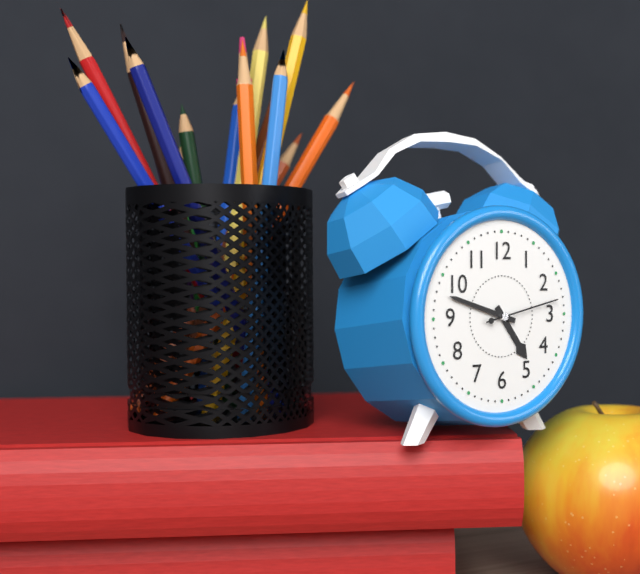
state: 4:48:13
